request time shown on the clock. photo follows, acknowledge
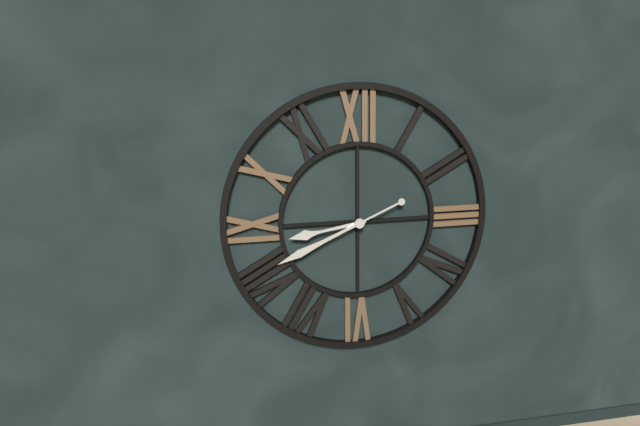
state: 8:41
